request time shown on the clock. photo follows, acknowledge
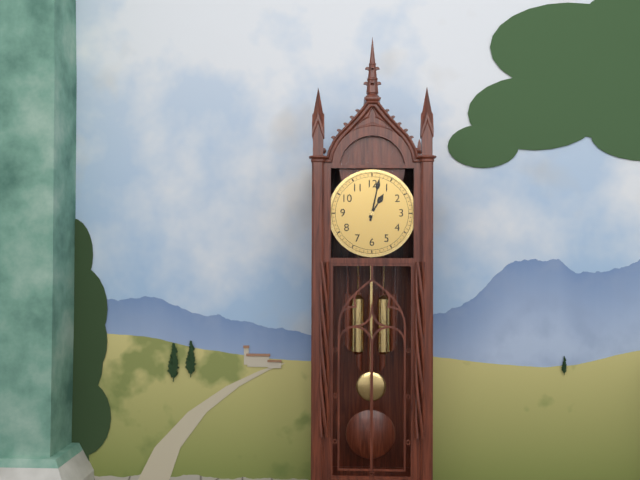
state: 1:02
